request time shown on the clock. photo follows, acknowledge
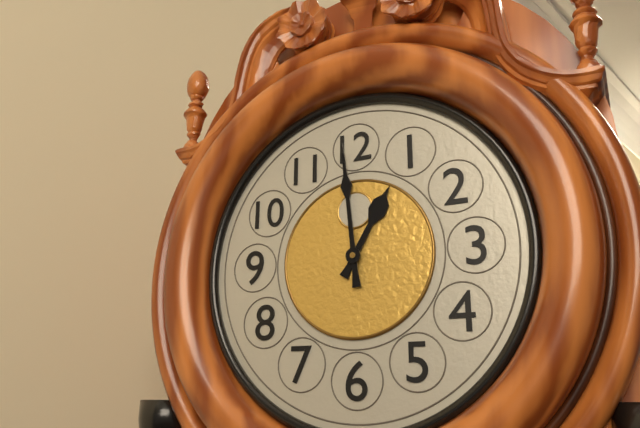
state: 12:59
